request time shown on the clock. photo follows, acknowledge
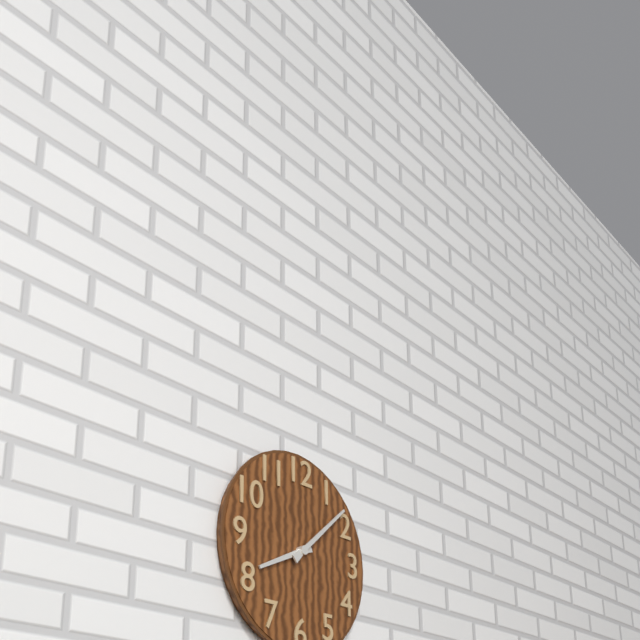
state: 8:08
